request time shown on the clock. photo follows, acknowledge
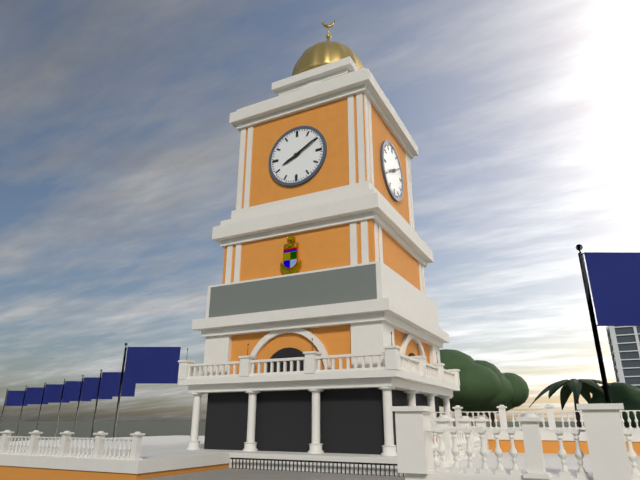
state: 8:10
